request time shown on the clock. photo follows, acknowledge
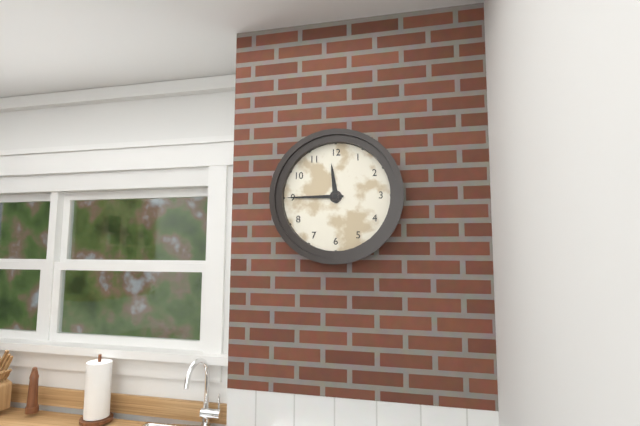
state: 11:45
